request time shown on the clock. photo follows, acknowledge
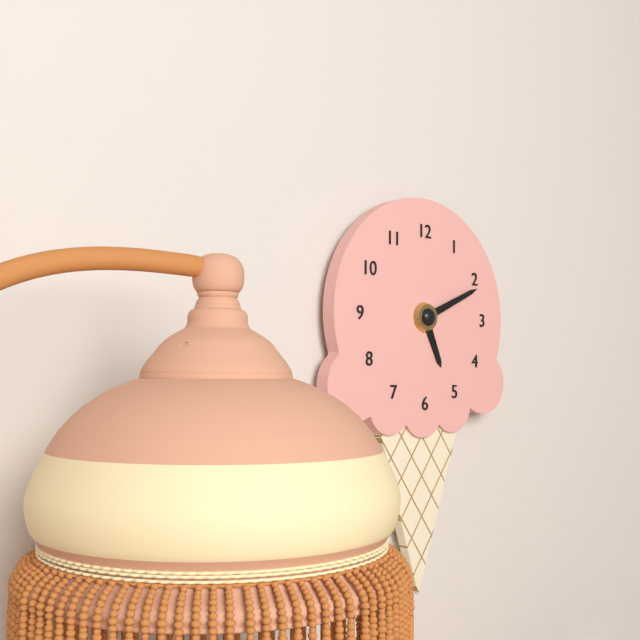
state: 5:11
